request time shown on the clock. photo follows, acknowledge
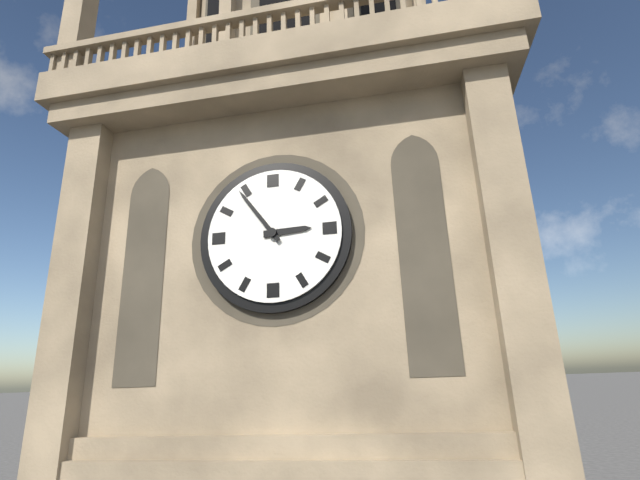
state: 2:54
